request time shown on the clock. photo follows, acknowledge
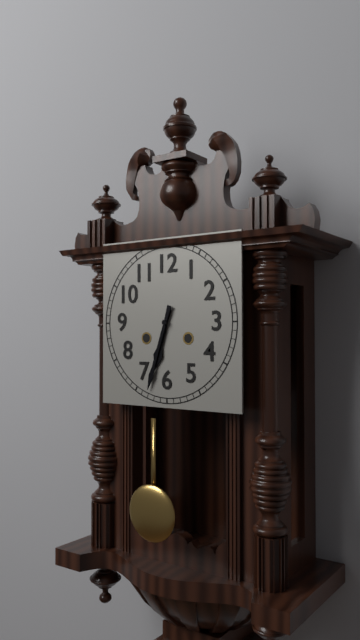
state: 6:33
